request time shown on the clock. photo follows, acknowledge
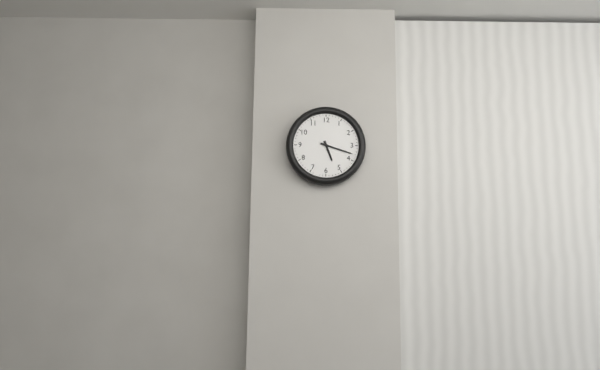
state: 5:18
